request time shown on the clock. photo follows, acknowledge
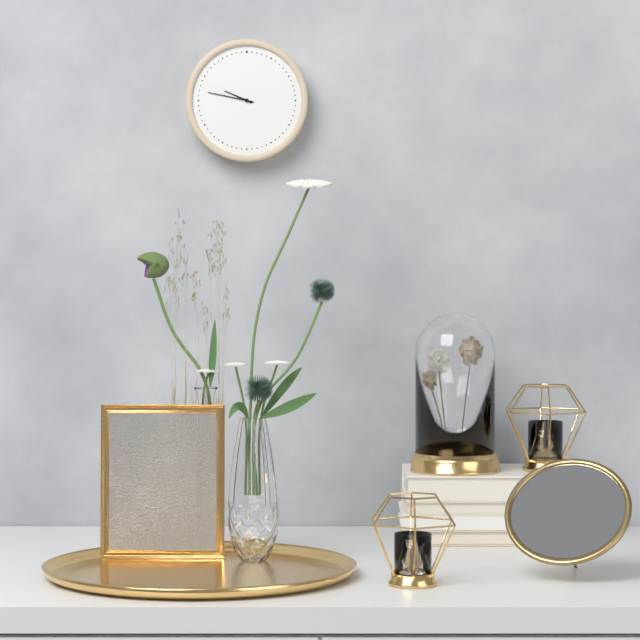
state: 9:47
